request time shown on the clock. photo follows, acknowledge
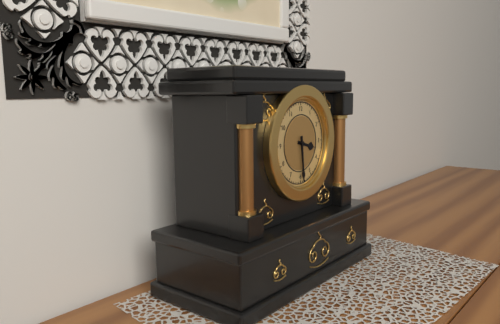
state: 3:29
